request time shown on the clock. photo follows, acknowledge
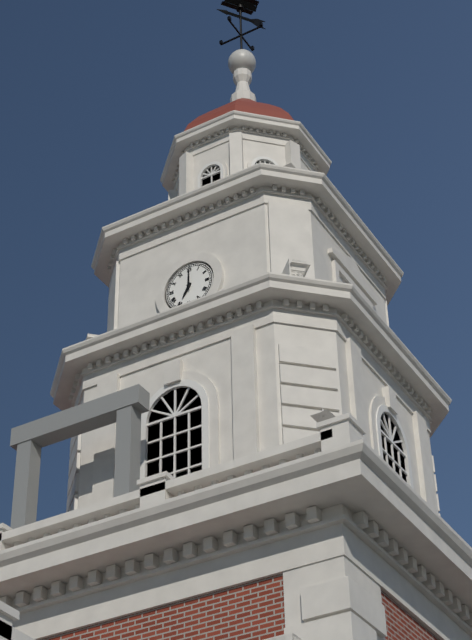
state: 7:00
